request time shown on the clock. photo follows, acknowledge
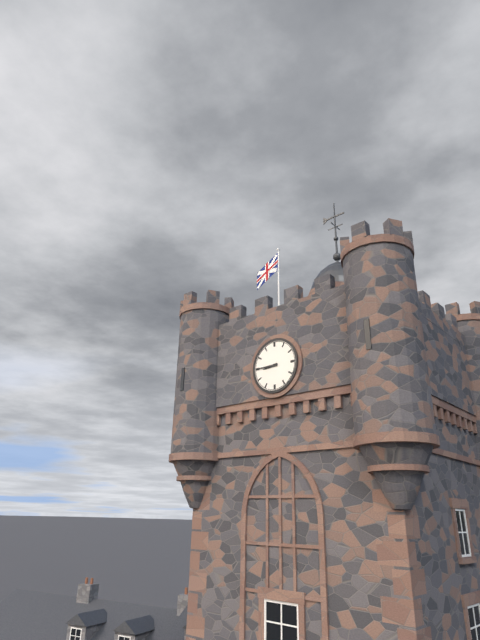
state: 8:45
